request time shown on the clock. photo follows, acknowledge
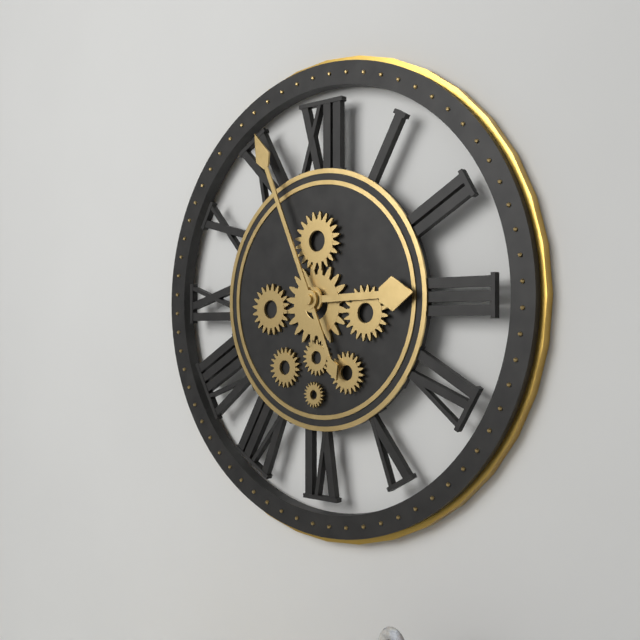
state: 2:56
